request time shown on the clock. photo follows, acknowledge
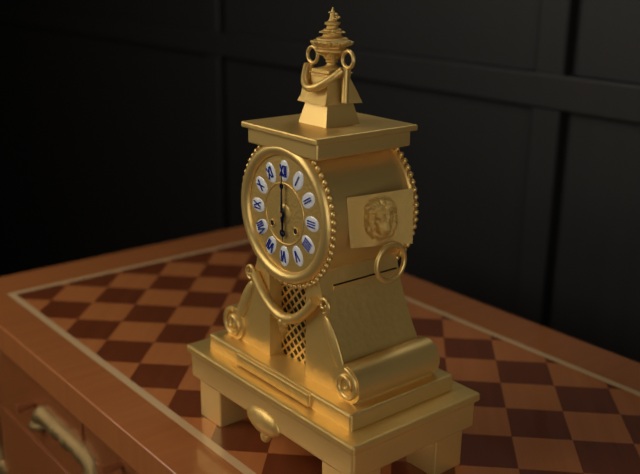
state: 6:00
